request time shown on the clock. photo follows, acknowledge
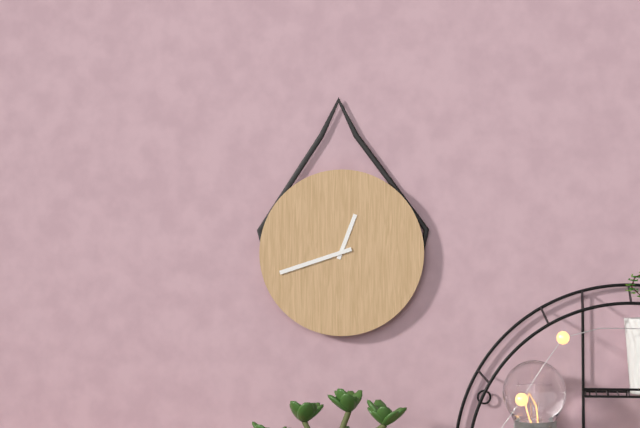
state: 12:42
